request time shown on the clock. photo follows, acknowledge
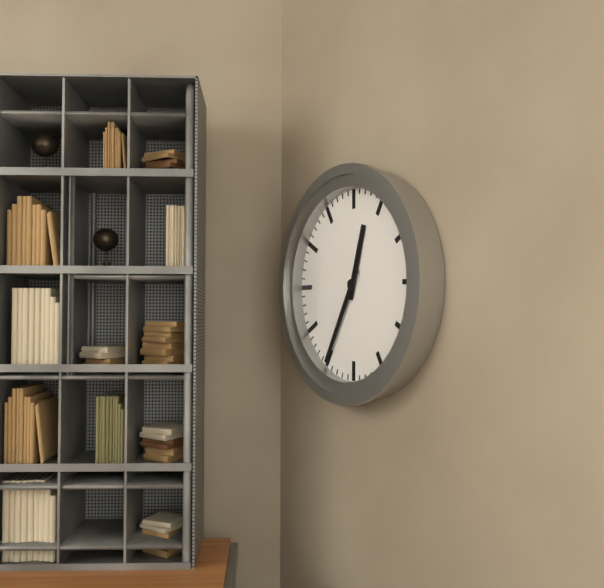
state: 12:35
